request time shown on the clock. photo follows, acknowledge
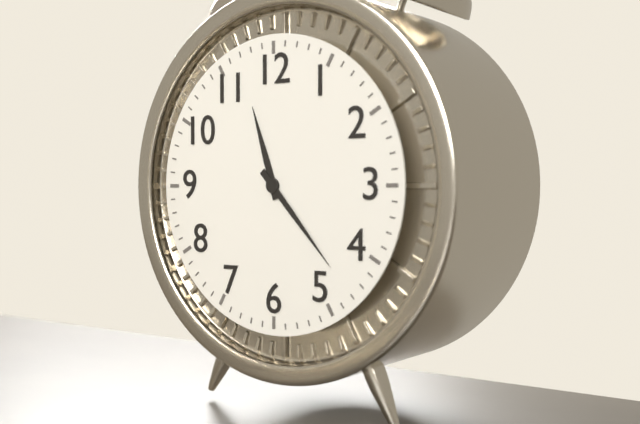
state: 11:23
